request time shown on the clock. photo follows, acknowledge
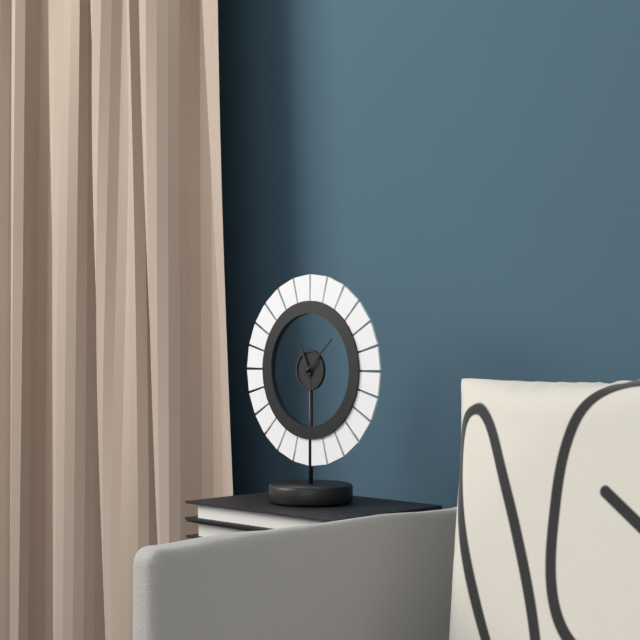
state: 11:08
